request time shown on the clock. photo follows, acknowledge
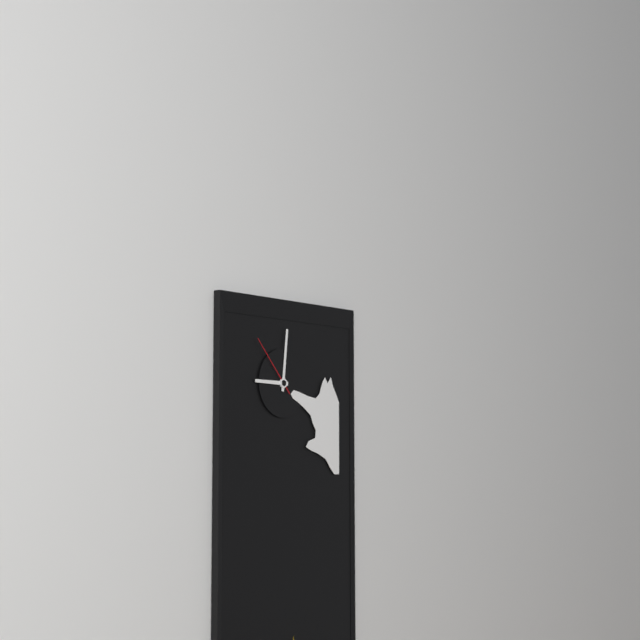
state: 9:01:53
